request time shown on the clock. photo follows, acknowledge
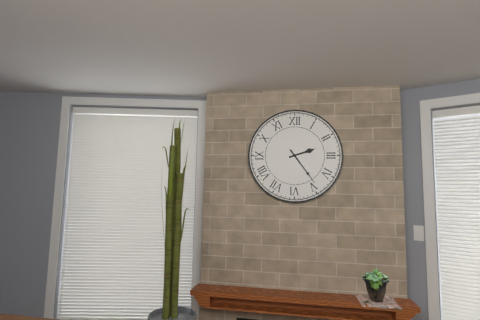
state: 2:24
